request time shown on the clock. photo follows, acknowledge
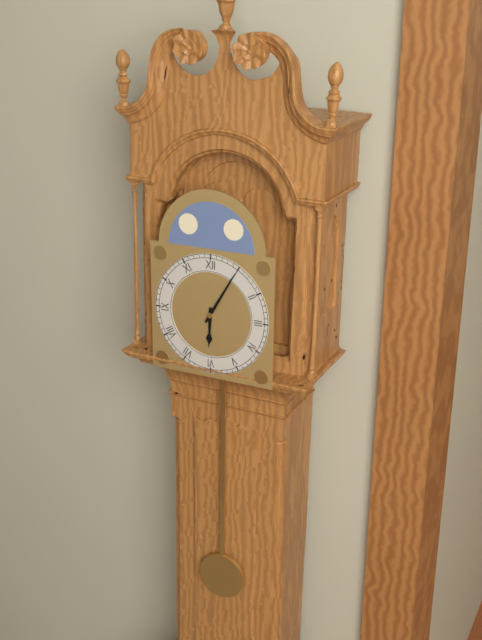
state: 6:05
